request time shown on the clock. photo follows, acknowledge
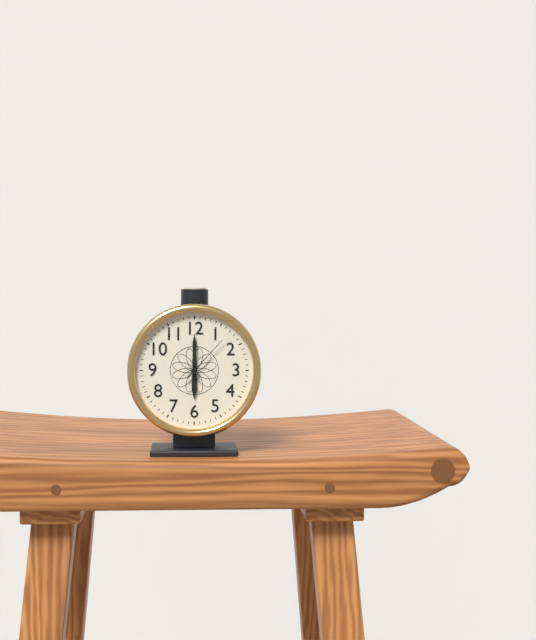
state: 6:00:07
